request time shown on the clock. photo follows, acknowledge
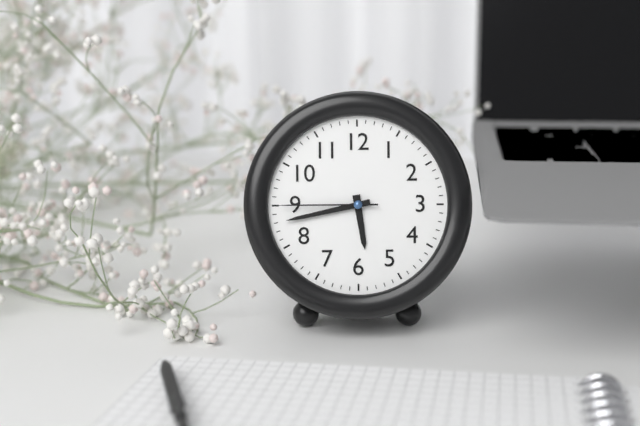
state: 5:43:45
